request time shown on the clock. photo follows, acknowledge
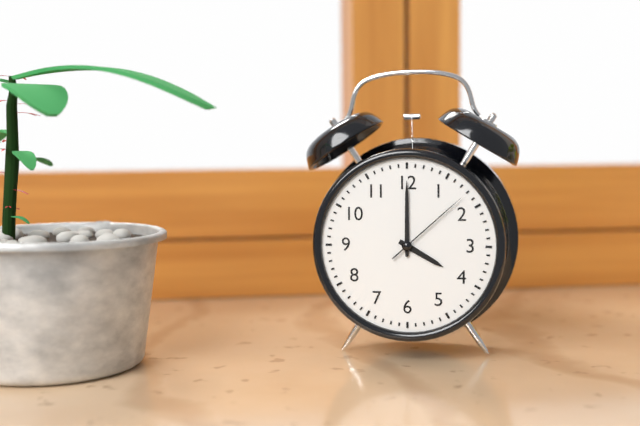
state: 4:00:08
